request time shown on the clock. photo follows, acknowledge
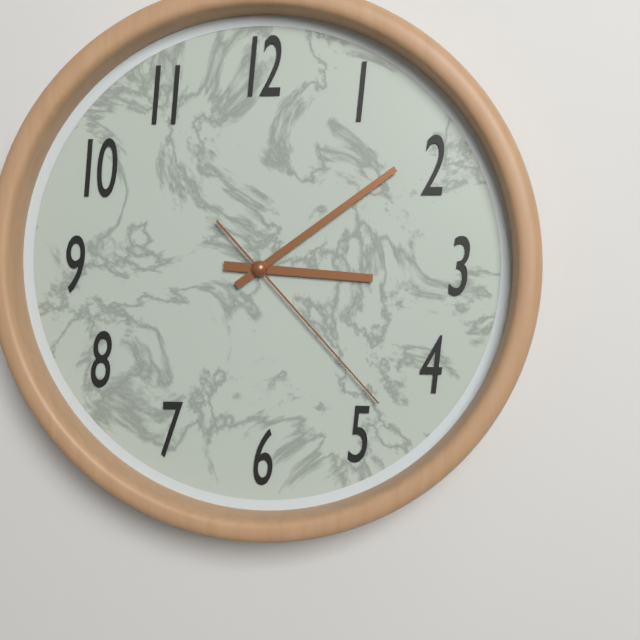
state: 3:09:23
